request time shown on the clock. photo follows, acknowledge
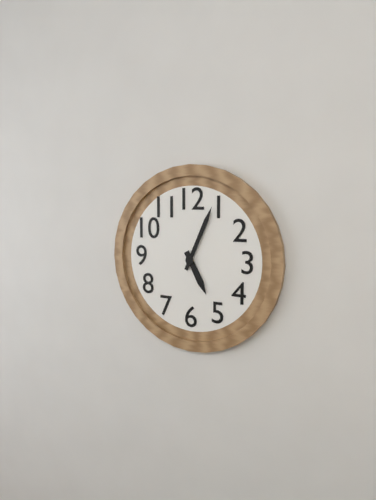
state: 5:04
